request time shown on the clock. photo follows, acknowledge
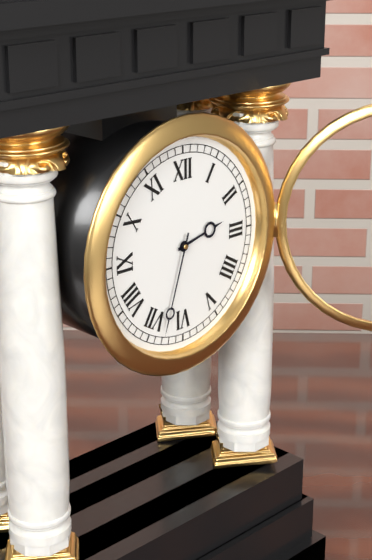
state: 2:33
